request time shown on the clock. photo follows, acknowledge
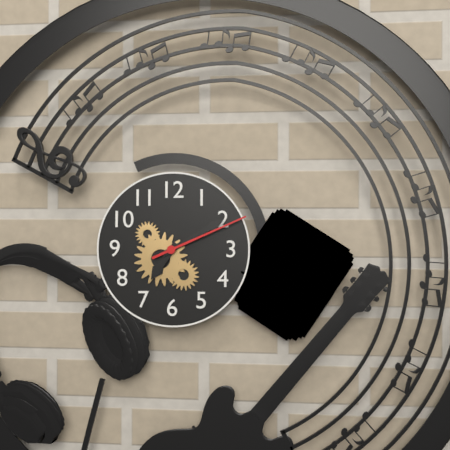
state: 7:10:11
